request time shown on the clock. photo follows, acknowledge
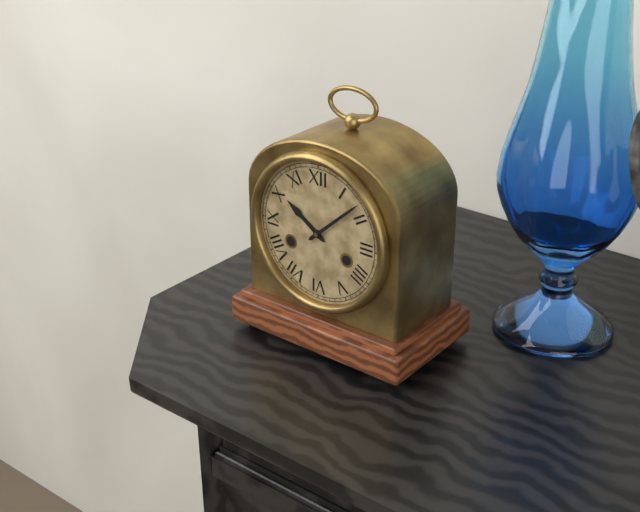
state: 10:08
